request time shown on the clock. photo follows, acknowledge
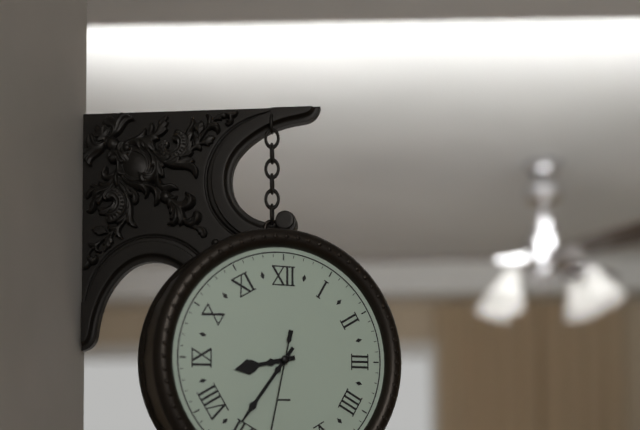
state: 8:36
